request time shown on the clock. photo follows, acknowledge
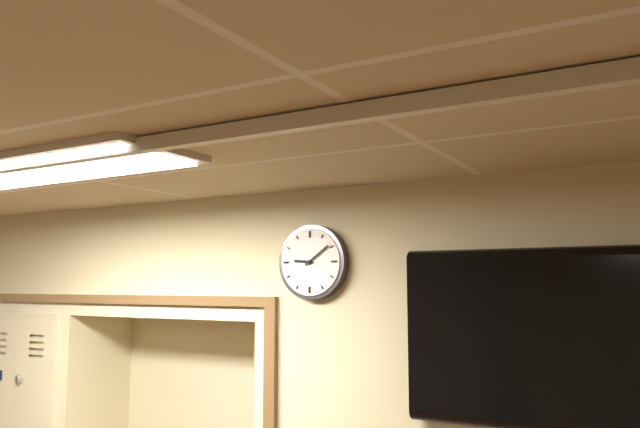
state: 9:09
